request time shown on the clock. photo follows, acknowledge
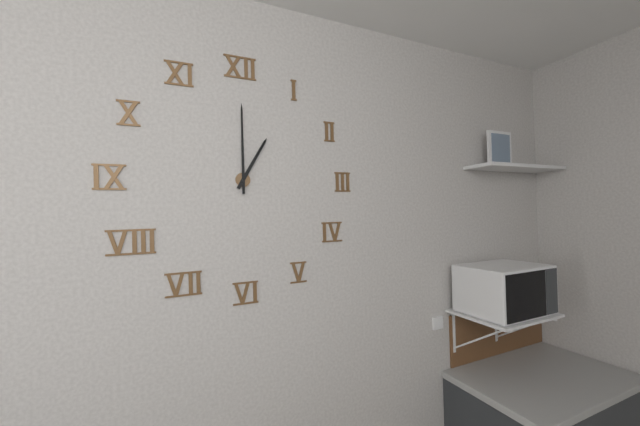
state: 1:00
